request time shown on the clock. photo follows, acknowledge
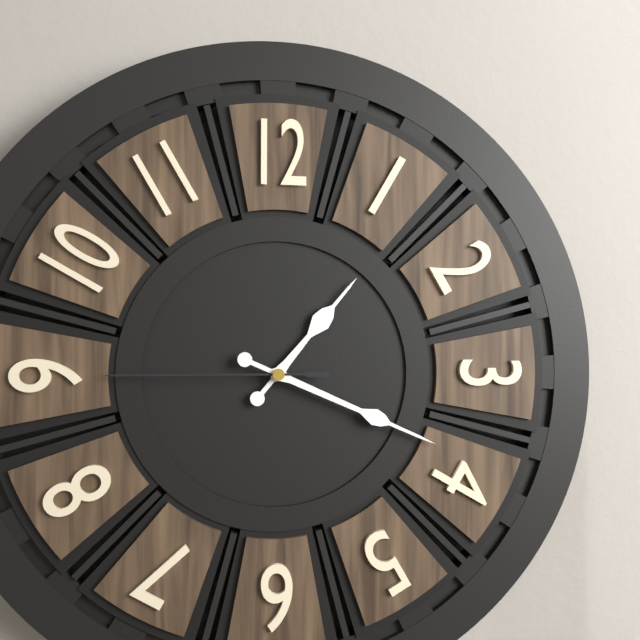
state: 1:19:45
